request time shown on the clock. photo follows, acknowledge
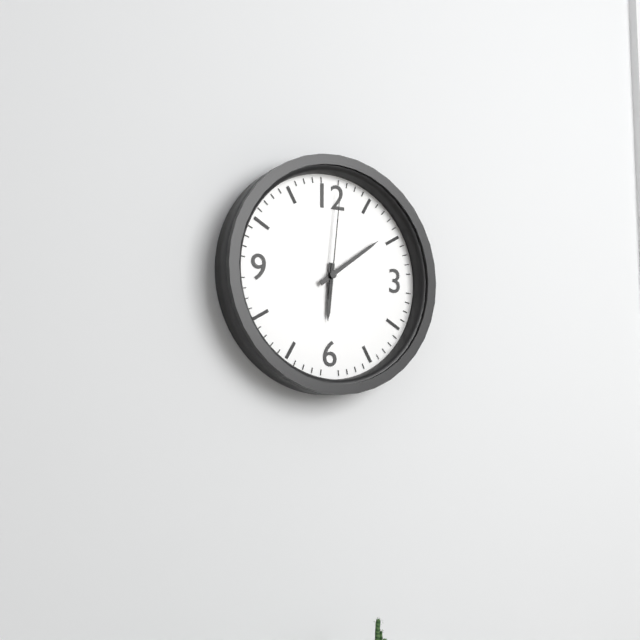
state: 6:09:01
